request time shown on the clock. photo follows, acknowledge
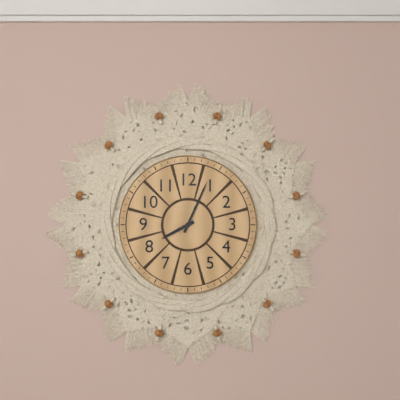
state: 8:04
